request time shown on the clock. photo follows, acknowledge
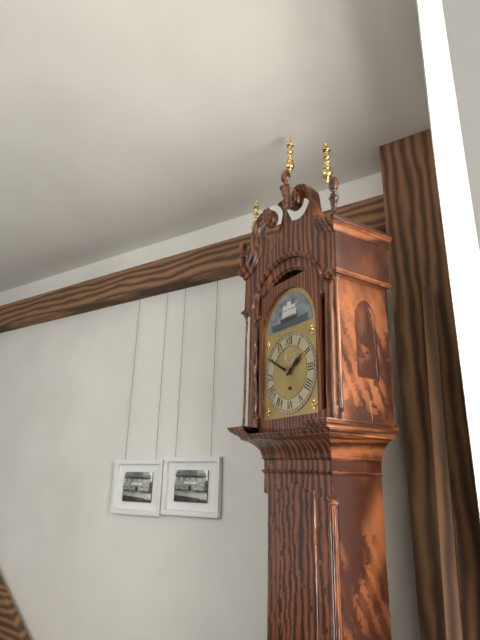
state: 1:50
